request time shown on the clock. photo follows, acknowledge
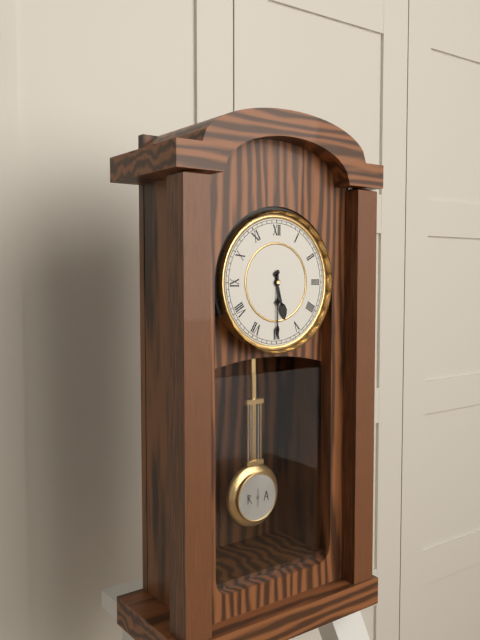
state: 5:30
